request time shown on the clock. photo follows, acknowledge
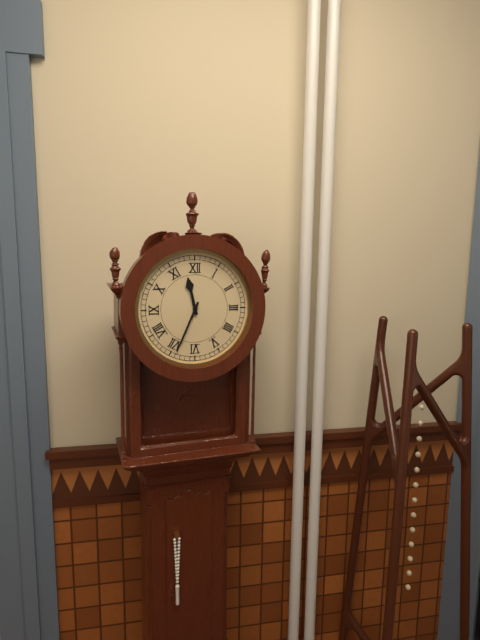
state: 11:34
